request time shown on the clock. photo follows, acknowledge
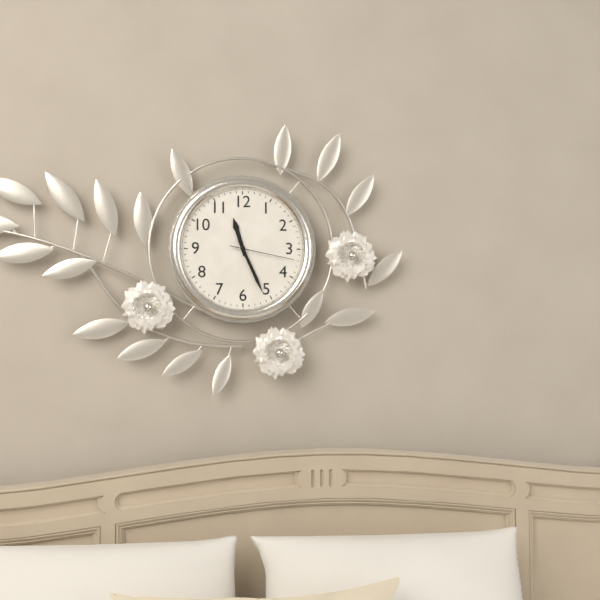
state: 11:26:17
